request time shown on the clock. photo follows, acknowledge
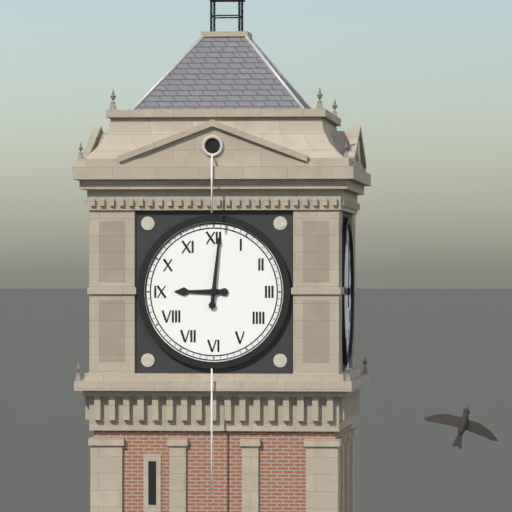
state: 9:01
